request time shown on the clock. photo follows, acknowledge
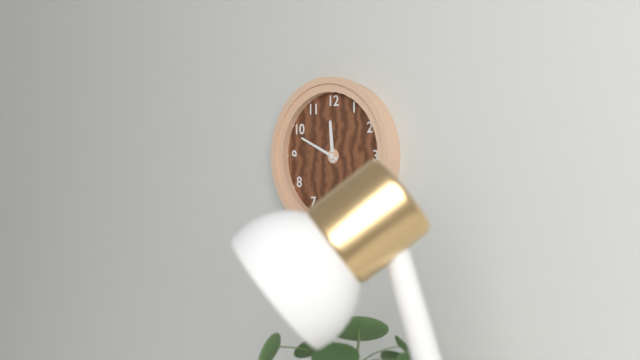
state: 11:49
